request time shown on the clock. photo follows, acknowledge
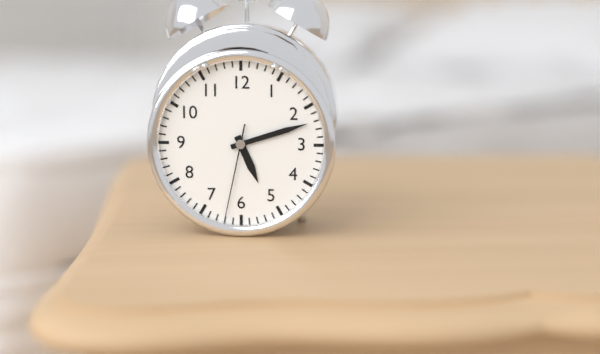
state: 5:12:32
